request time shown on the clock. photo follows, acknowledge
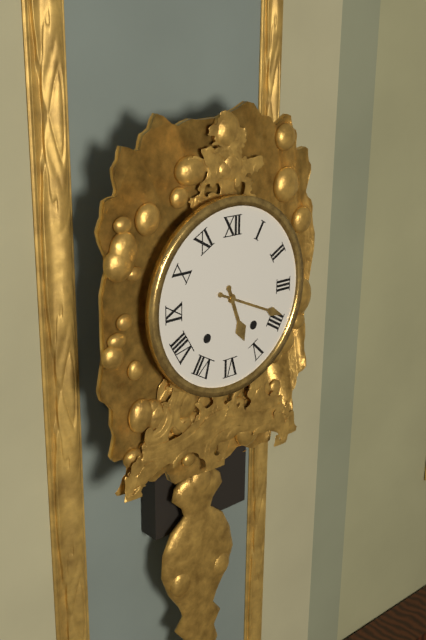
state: 5:19
